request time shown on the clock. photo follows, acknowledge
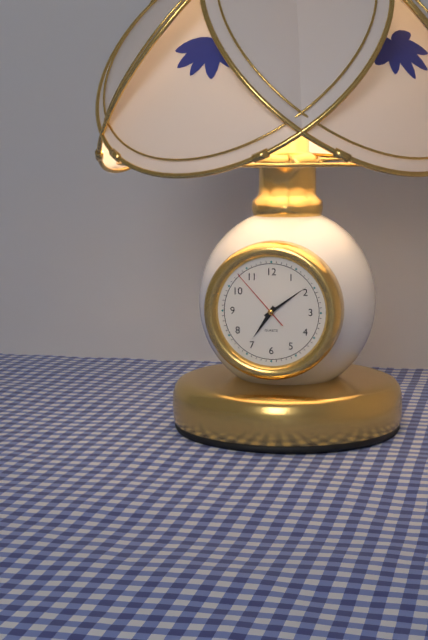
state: 7:09:53
